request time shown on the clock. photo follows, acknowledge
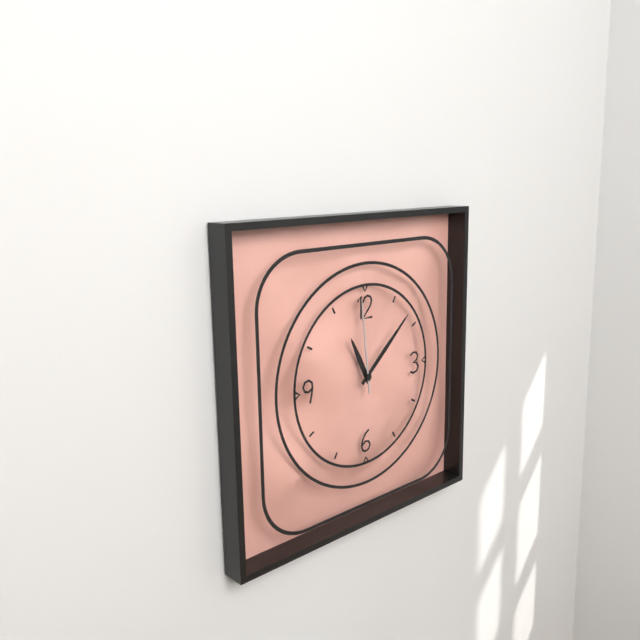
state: 11:08:59
